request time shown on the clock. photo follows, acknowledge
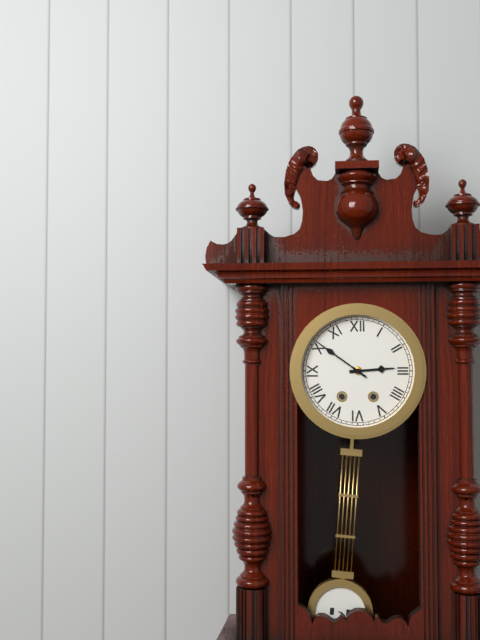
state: 2:51
